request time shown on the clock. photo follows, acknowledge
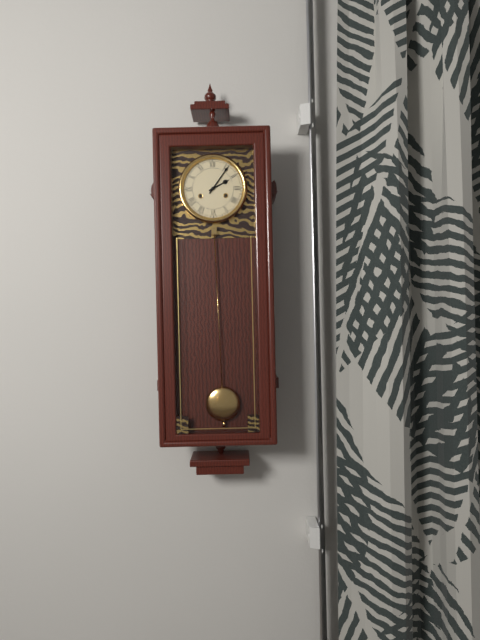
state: 2:06
